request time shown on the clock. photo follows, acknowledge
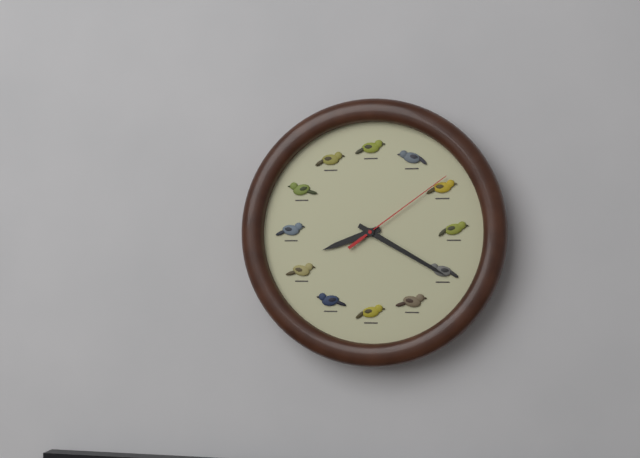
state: 8:20:09
